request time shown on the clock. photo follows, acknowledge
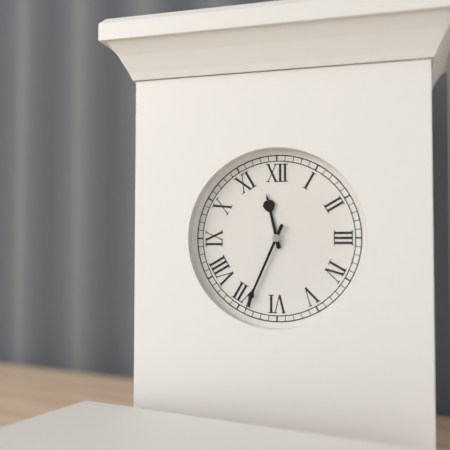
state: 11:34
